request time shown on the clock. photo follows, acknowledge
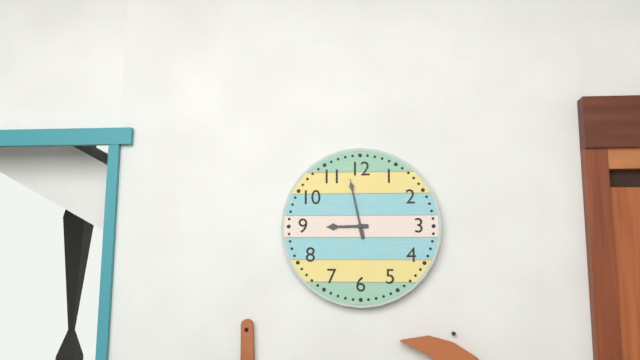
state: 8:58
